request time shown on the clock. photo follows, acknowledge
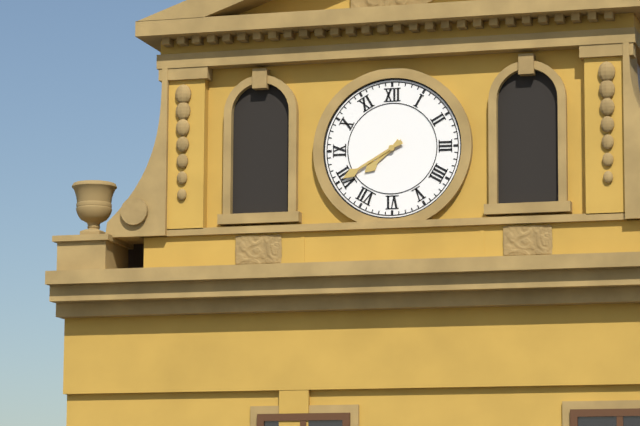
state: 7:40
